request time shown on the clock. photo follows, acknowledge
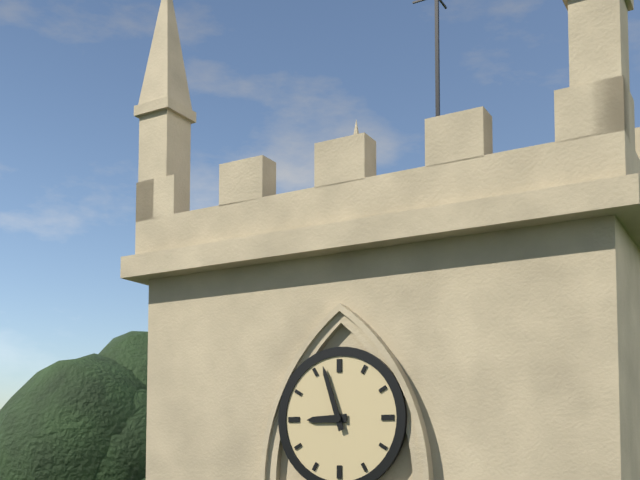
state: 8:57
